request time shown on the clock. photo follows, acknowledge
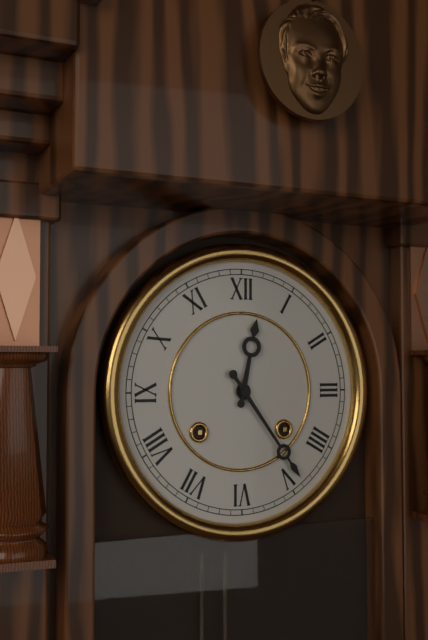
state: 12:24
